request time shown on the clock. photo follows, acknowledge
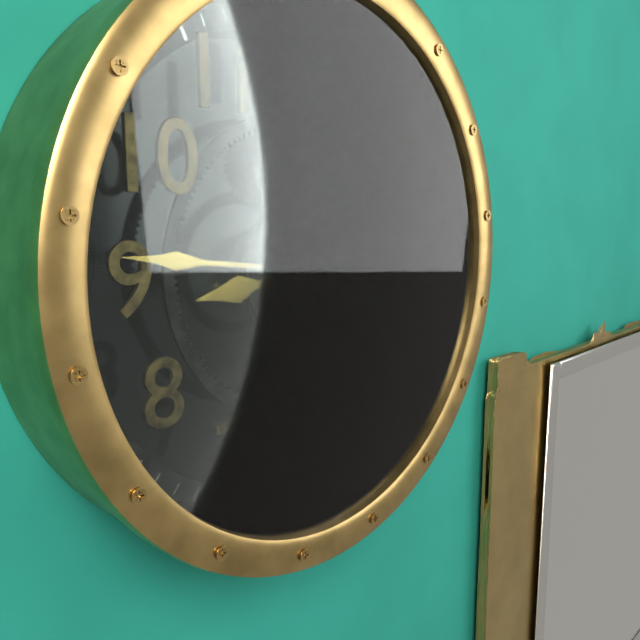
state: 8:46
